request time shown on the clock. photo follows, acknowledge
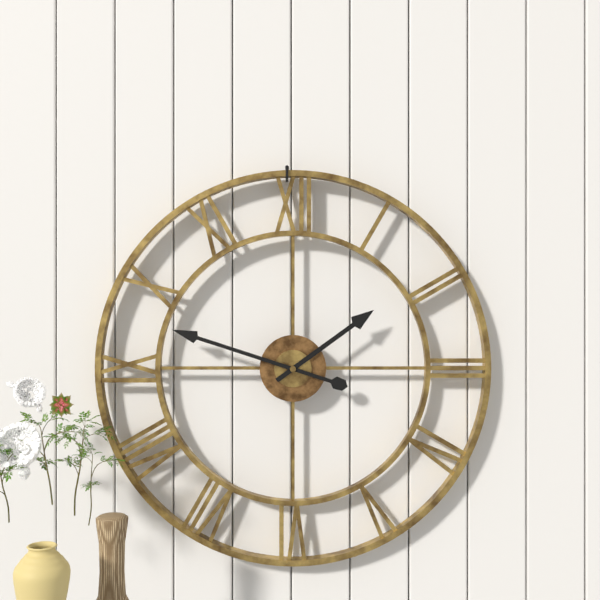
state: 1:48
